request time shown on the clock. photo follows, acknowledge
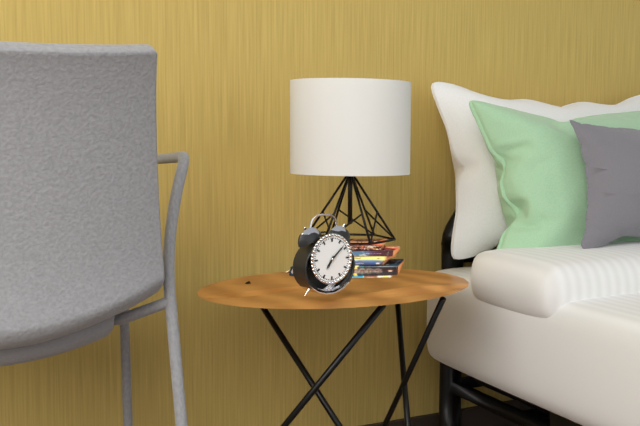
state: 7:08
